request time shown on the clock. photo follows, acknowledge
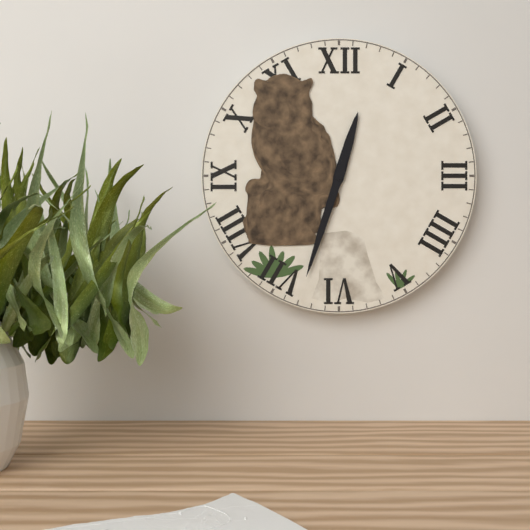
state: 12:33
